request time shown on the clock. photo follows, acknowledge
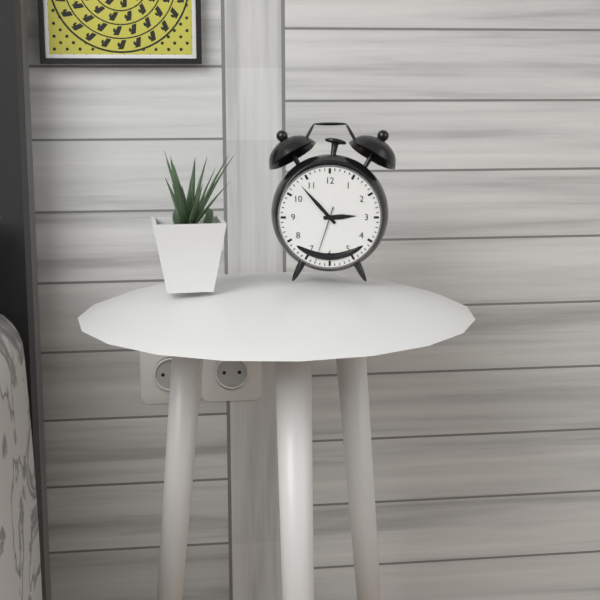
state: 2:53:33
